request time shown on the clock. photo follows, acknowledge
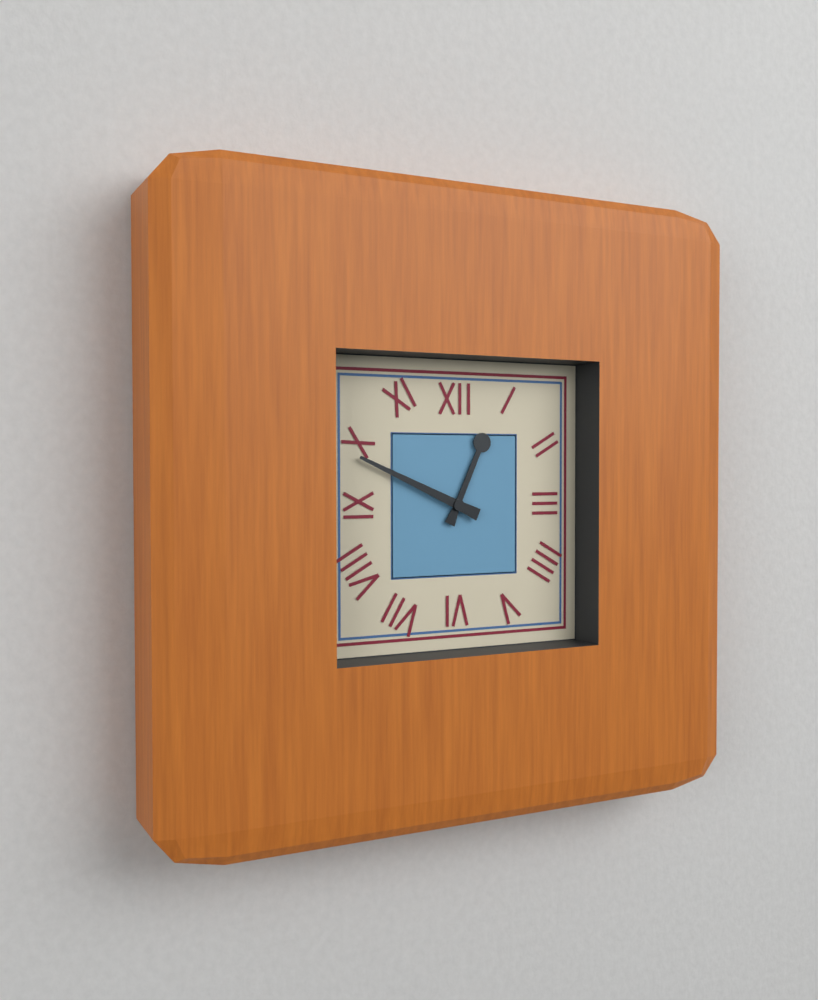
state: 12:49
